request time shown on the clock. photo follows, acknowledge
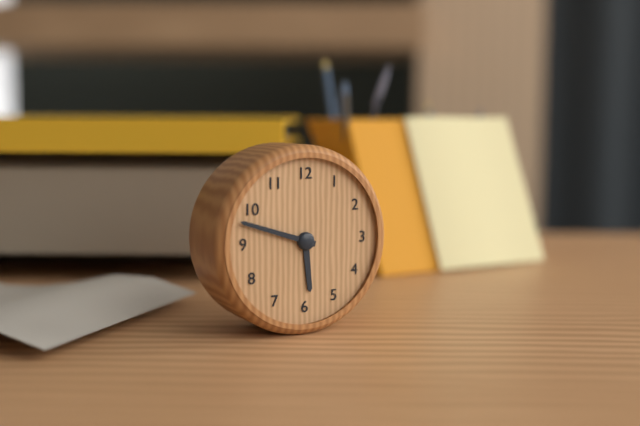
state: 5:48
